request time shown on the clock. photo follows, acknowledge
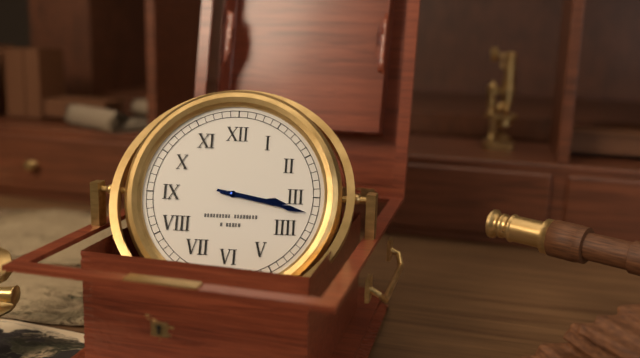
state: 3:17
